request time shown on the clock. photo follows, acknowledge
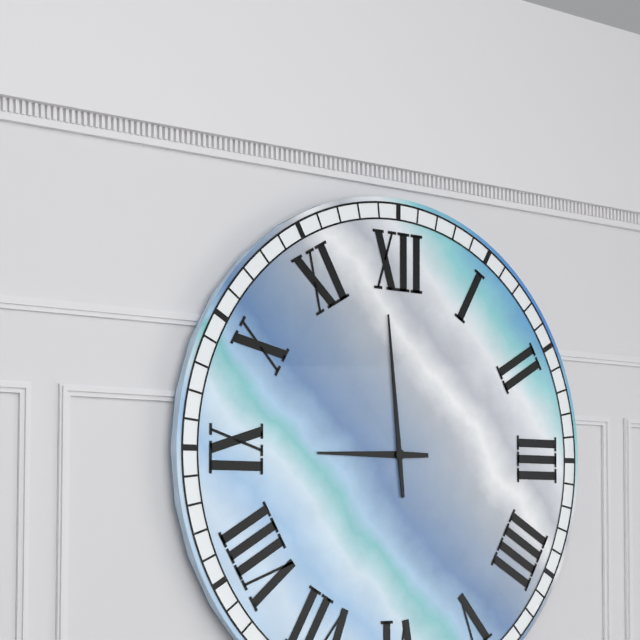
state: 8:59
